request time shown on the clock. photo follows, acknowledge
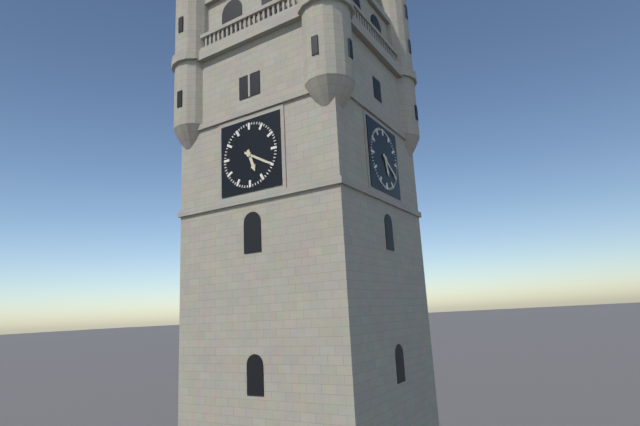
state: 5:20
